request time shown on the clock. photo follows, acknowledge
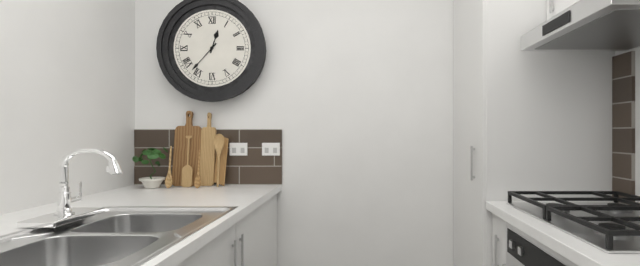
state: 12:37
